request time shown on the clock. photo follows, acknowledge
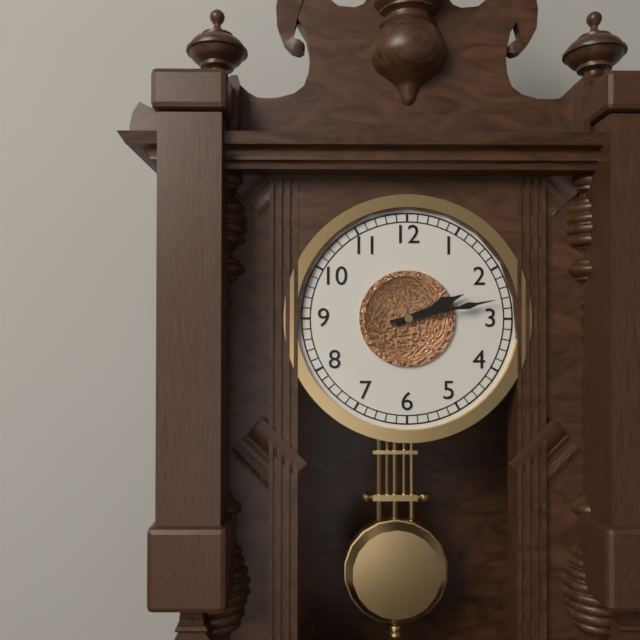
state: 2:13
